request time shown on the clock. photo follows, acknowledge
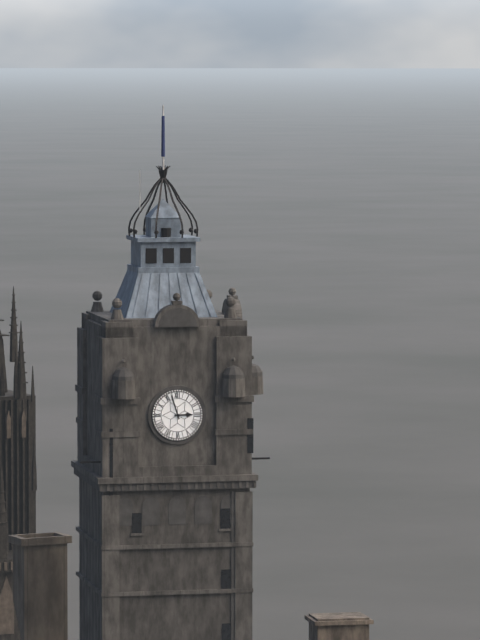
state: 2:57
